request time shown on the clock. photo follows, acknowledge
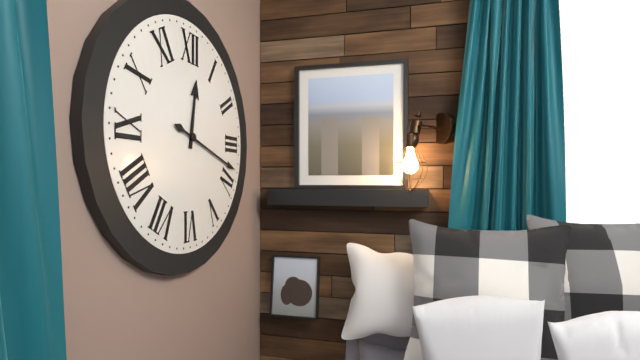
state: 12:18
